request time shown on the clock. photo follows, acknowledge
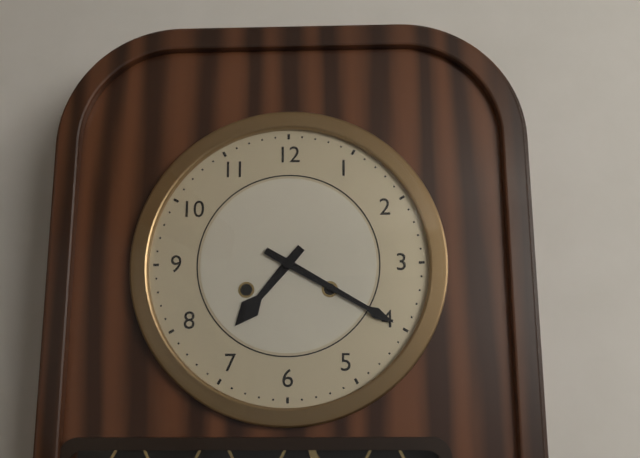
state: 7:20
